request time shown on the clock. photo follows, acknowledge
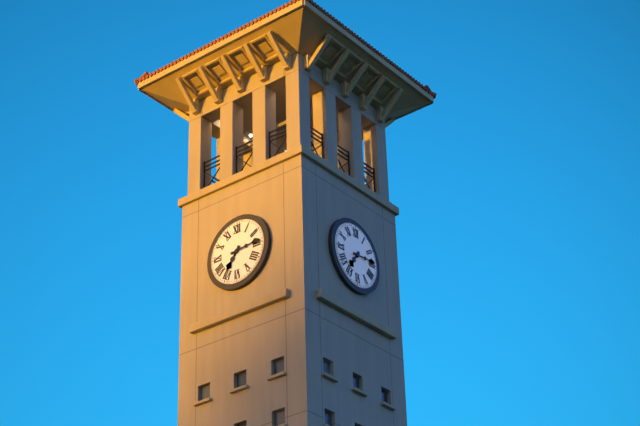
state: 7:14
